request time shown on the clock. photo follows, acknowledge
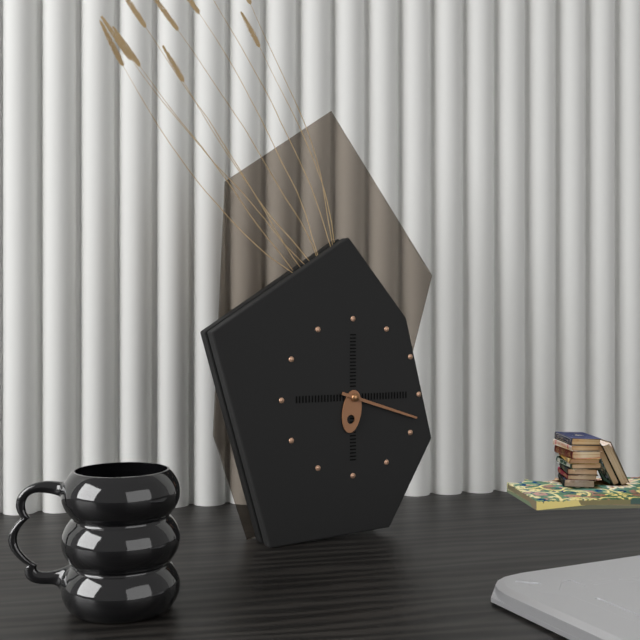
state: 6:18
